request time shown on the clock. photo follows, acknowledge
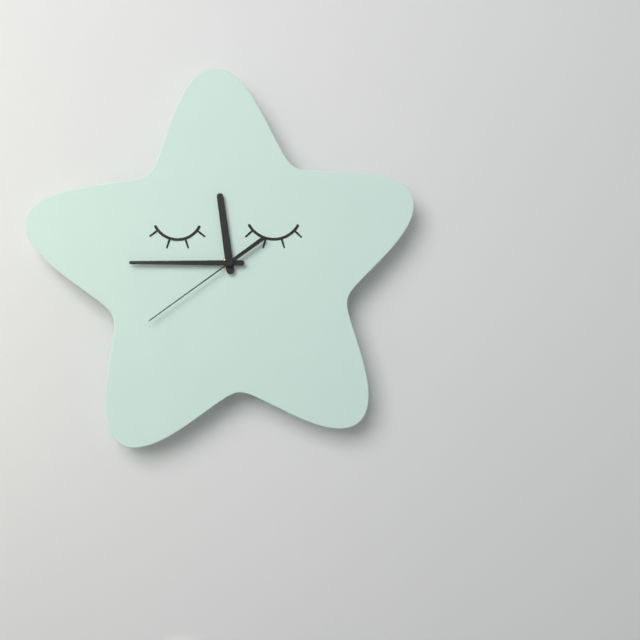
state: 11:45:39
